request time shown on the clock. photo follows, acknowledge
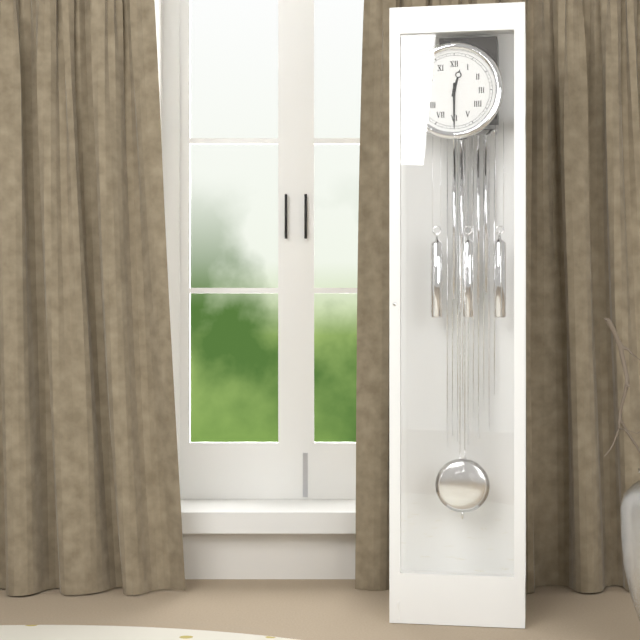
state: 12:30
